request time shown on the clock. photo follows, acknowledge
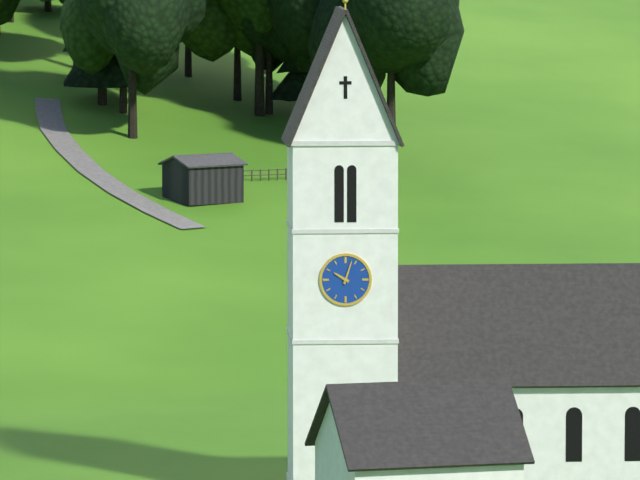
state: 10:03
